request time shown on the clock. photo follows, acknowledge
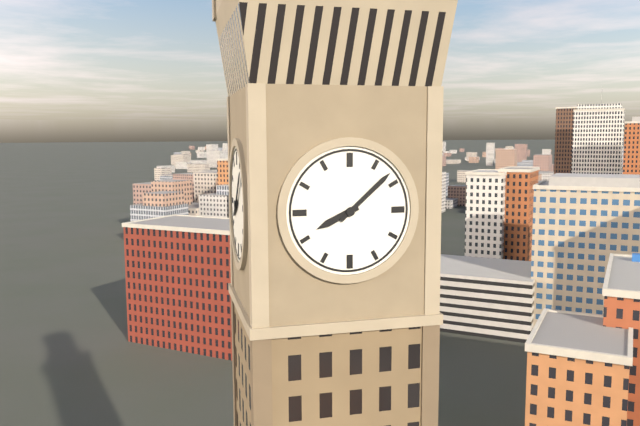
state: 8:08
